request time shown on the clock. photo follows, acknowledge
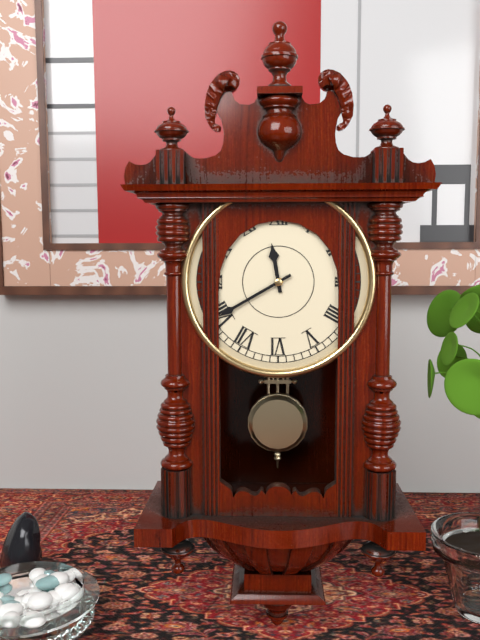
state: 11:40
